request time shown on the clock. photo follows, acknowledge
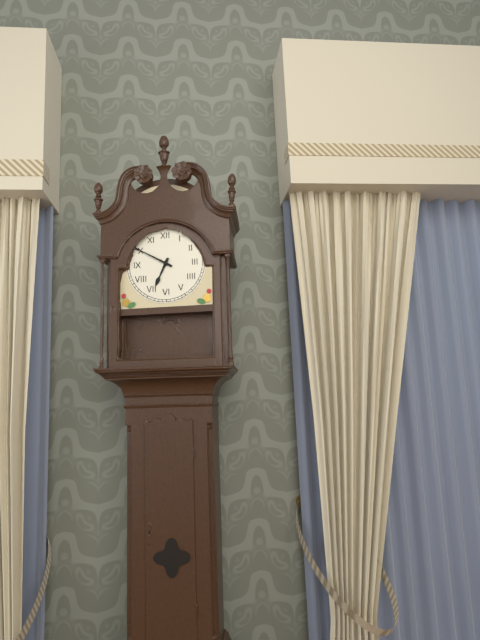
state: 6:50
